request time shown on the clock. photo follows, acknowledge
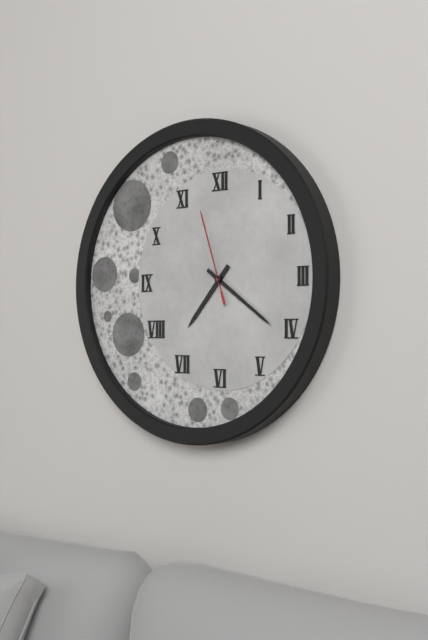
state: 7:21:57
